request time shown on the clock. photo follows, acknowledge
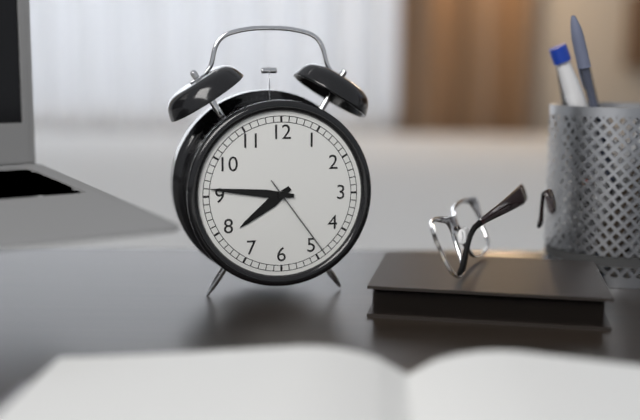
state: 7:46:24
